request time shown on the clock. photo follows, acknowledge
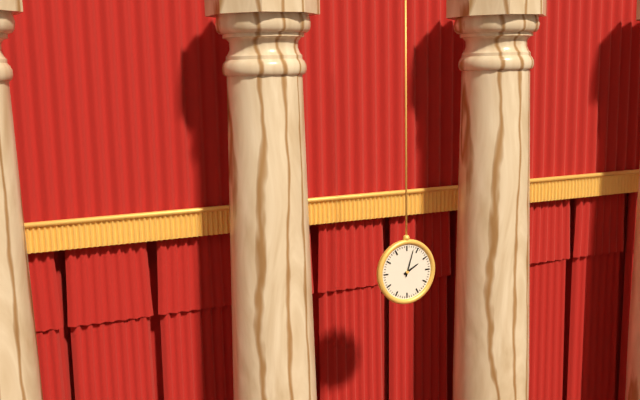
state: 2:03
